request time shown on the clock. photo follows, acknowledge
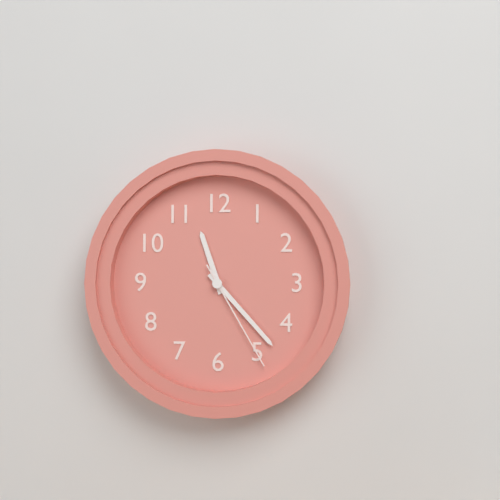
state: 11:23:25
